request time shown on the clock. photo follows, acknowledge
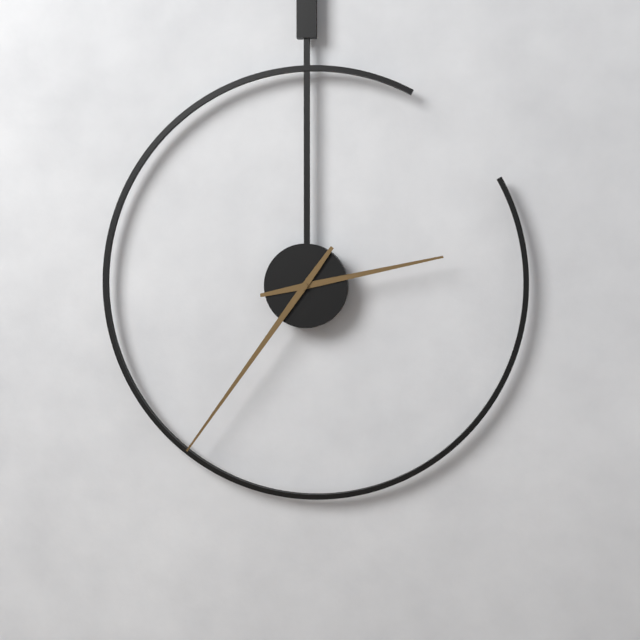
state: 2:36
